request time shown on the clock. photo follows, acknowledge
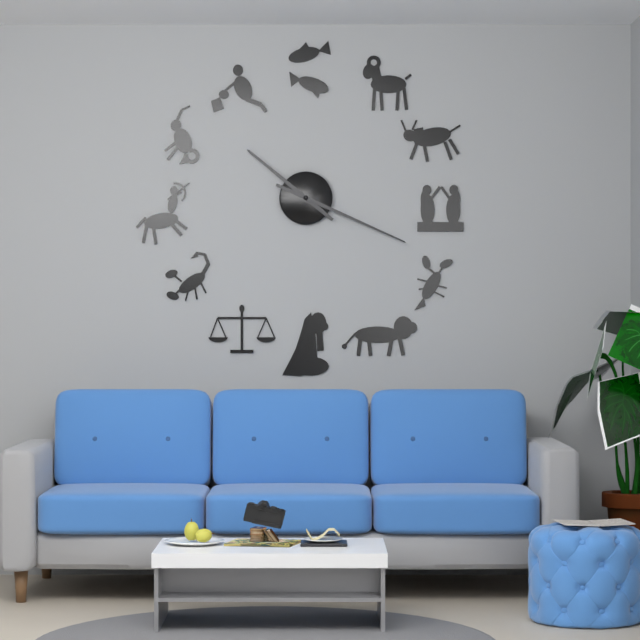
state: 10:19
